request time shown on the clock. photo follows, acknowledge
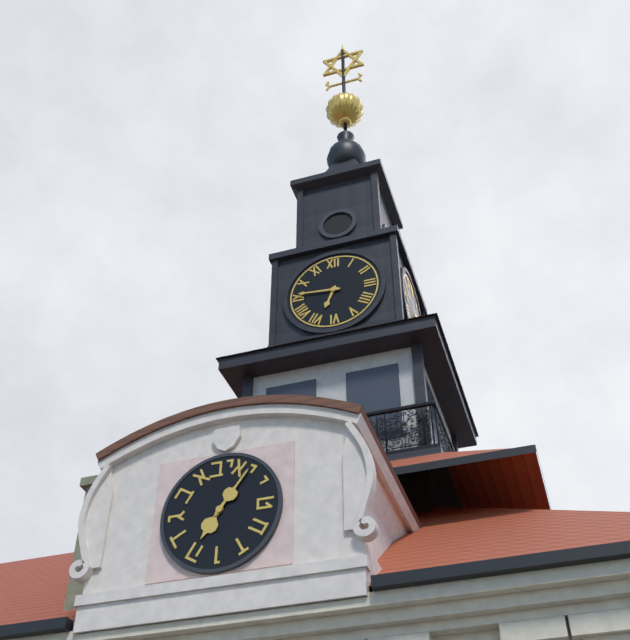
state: 6:46
